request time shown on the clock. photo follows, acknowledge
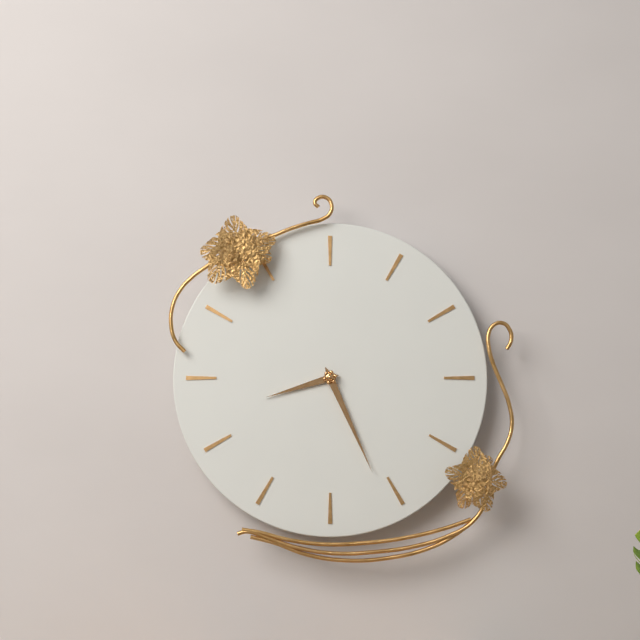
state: 8:26
